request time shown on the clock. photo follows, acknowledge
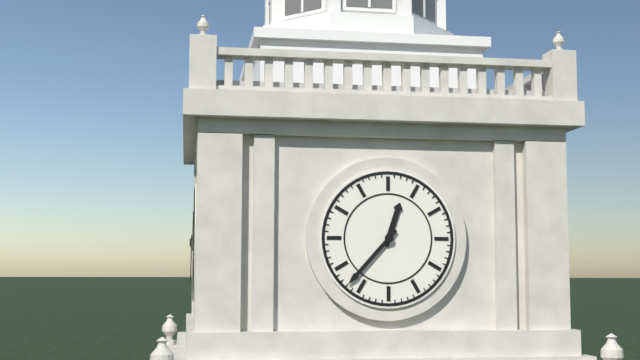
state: 12:37
